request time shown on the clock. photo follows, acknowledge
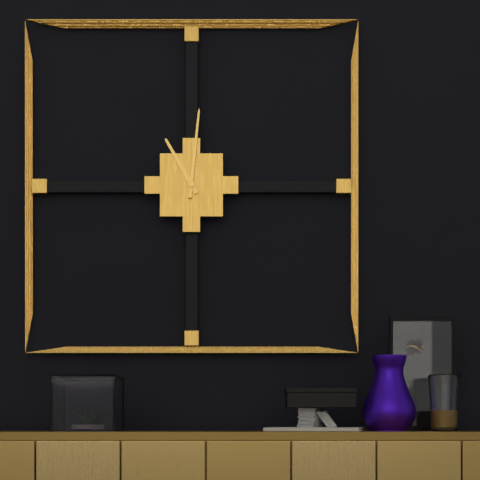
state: 11:01
